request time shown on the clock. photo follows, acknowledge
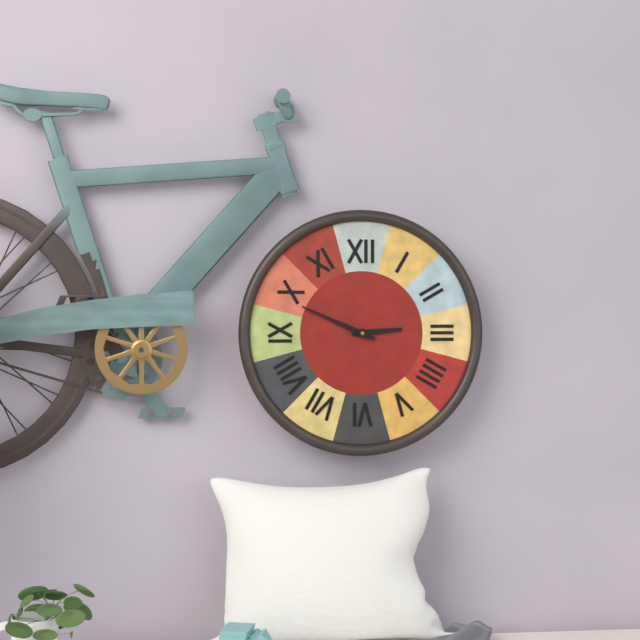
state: 2:49
